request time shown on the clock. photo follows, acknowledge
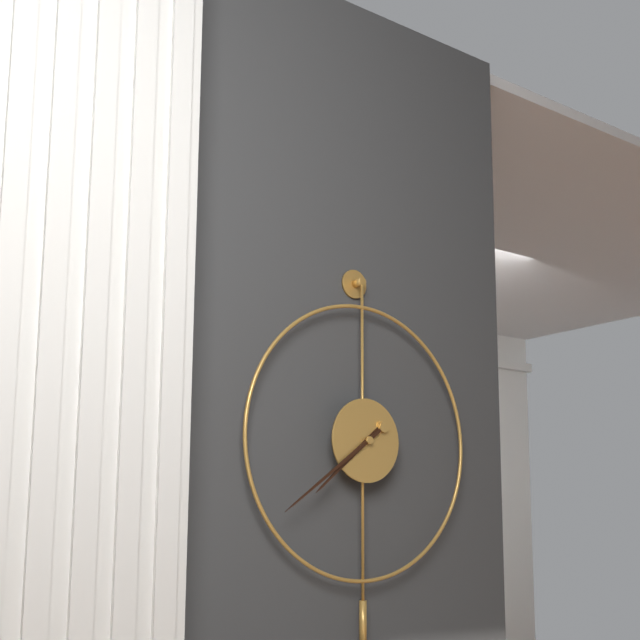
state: 7:39
